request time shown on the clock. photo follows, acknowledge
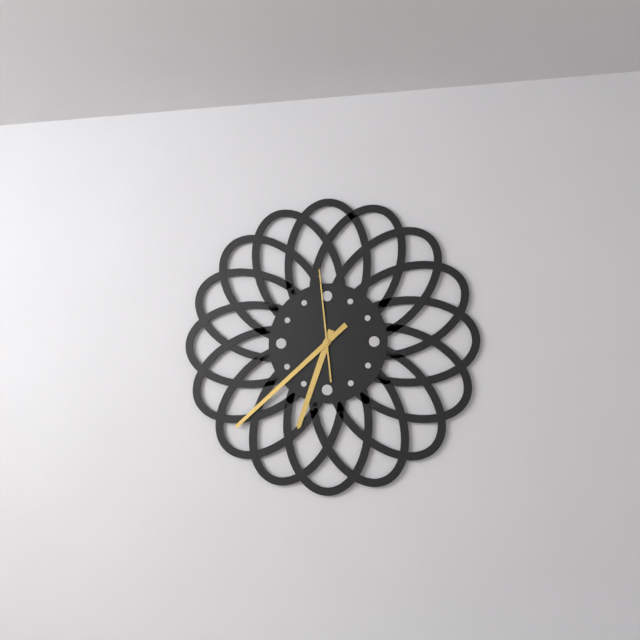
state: 6:38:59
